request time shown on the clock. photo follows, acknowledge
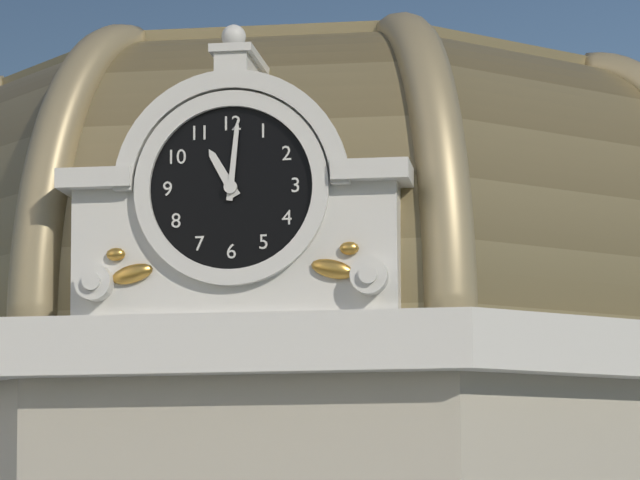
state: 11:01
